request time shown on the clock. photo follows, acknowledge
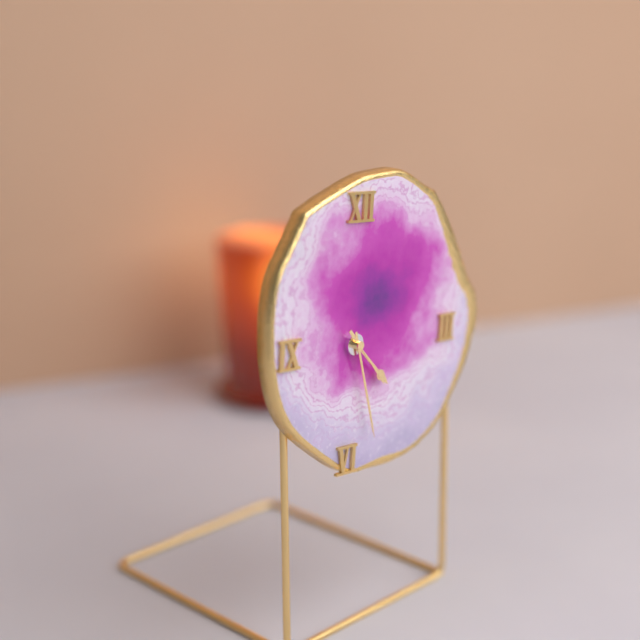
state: 4:27:23
